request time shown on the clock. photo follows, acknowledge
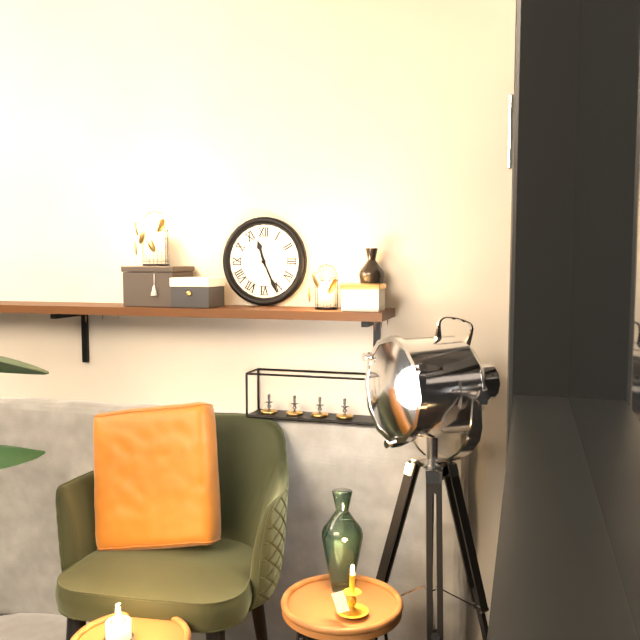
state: 11:26
